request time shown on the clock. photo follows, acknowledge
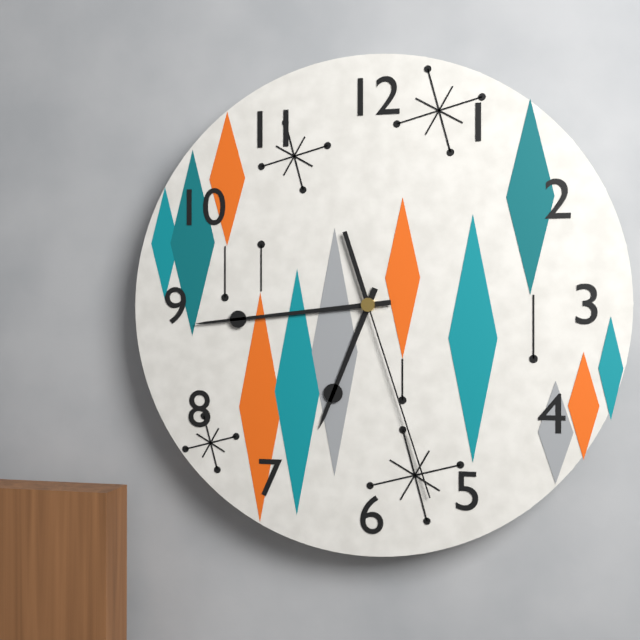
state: 6:44:27
